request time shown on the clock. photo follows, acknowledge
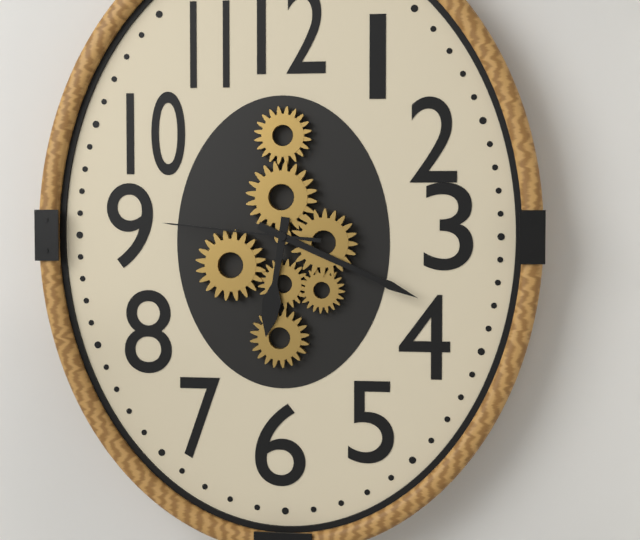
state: 6:19:46
